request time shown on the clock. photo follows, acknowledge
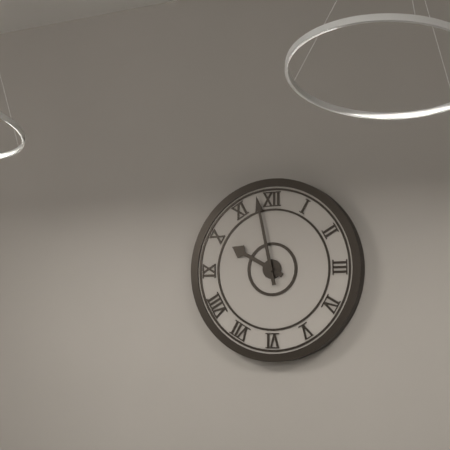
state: 9:58
